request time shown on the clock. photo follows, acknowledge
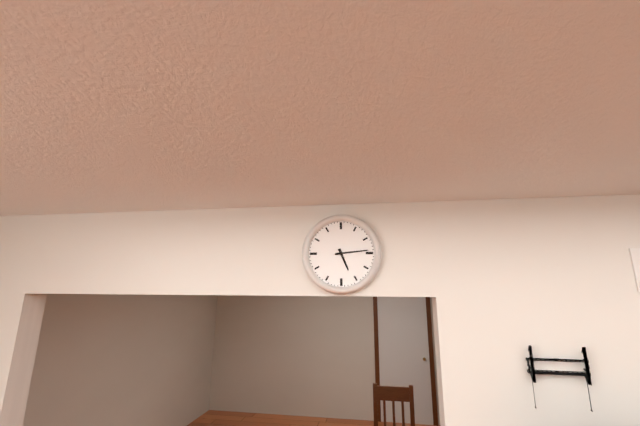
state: 5:14
